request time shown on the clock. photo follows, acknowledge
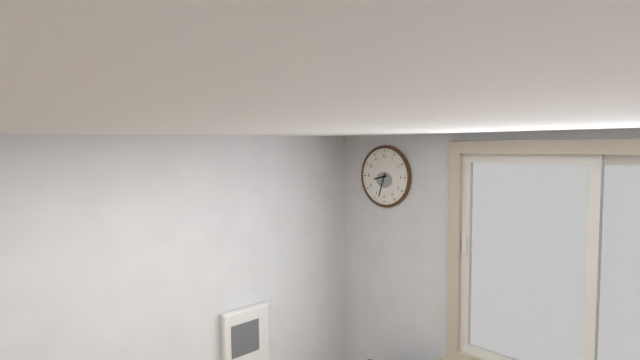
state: 8:33
